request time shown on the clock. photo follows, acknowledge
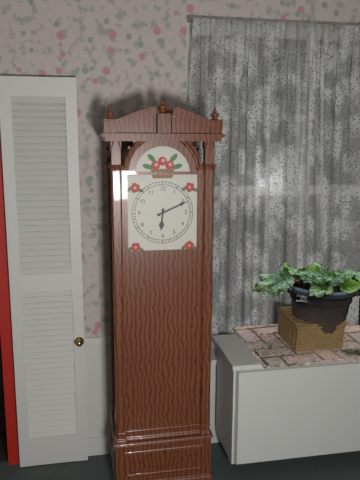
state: 6:11
